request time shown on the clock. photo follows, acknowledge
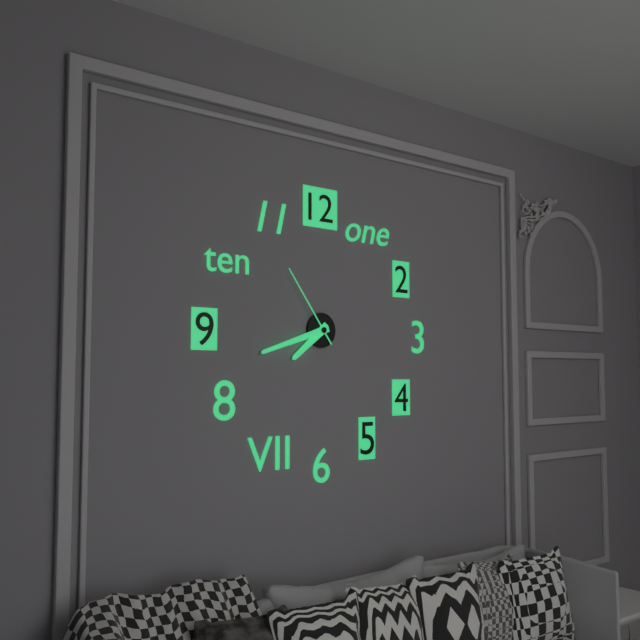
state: 7:42:54
